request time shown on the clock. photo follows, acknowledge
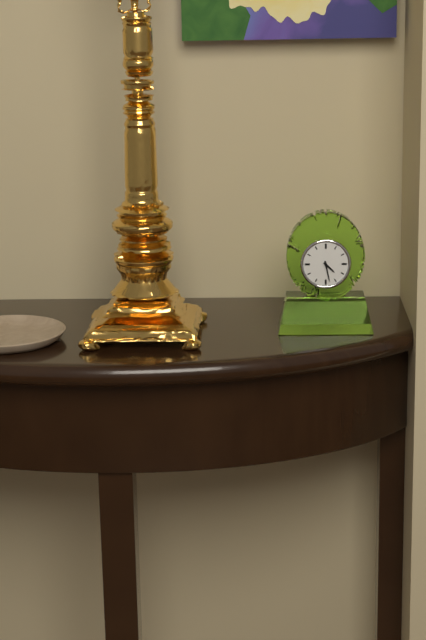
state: 4:28
